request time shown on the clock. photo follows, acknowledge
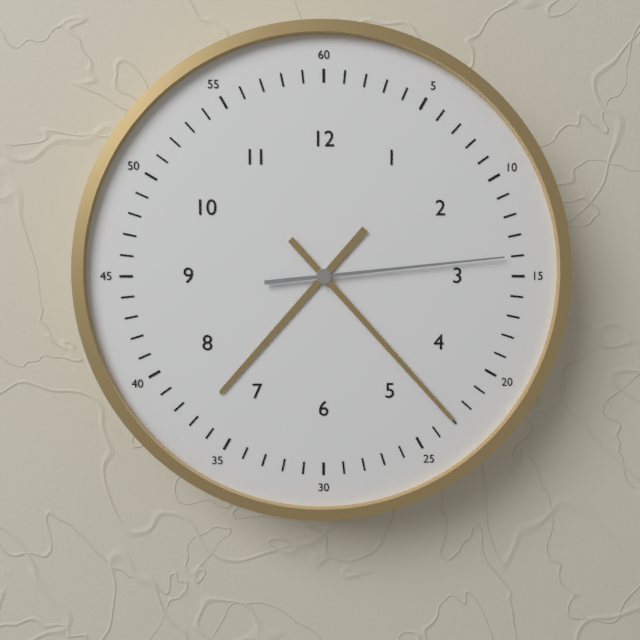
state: 7:23:14
